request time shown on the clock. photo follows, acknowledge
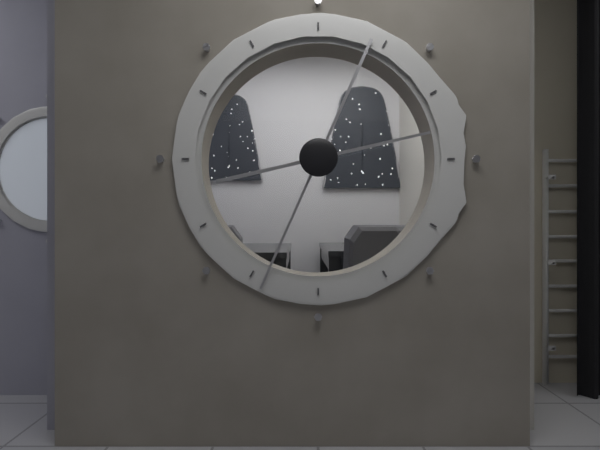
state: 2:34
